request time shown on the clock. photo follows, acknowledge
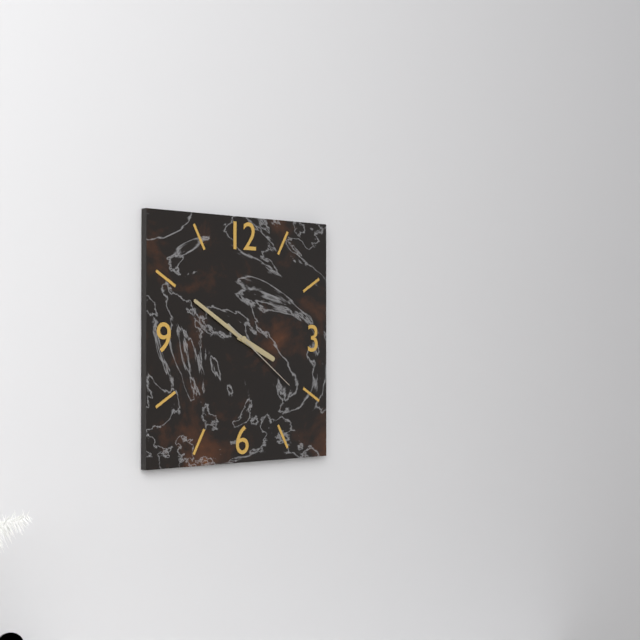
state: 3:50:21
